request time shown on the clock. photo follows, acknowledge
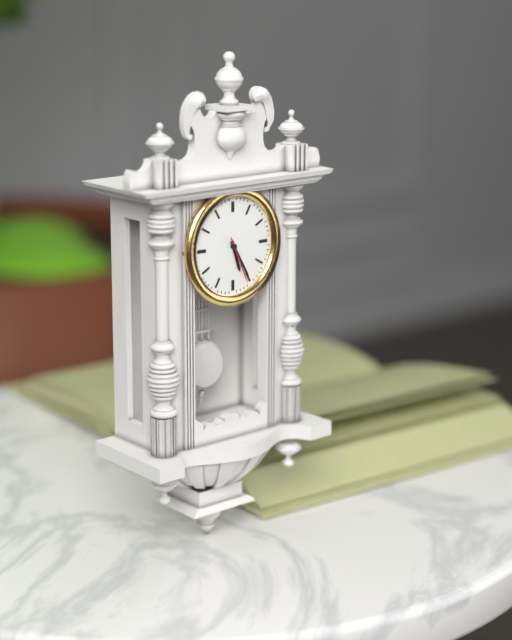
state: 5:25:26
